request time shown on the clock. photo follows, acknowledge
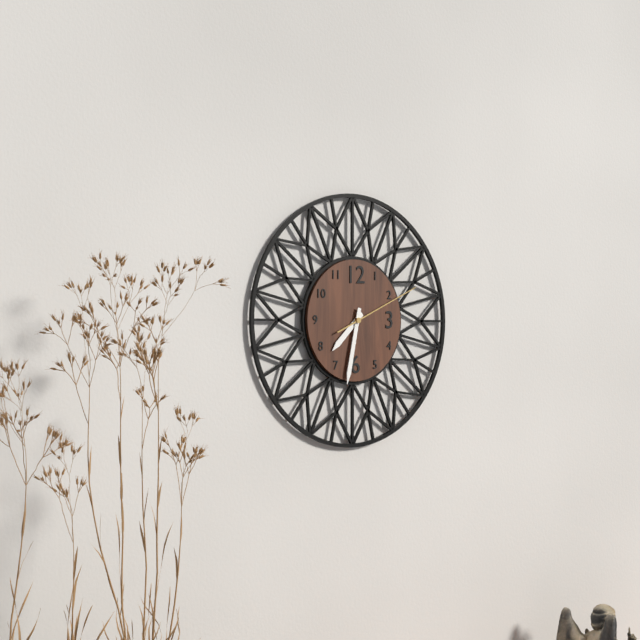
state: 7:32:11
